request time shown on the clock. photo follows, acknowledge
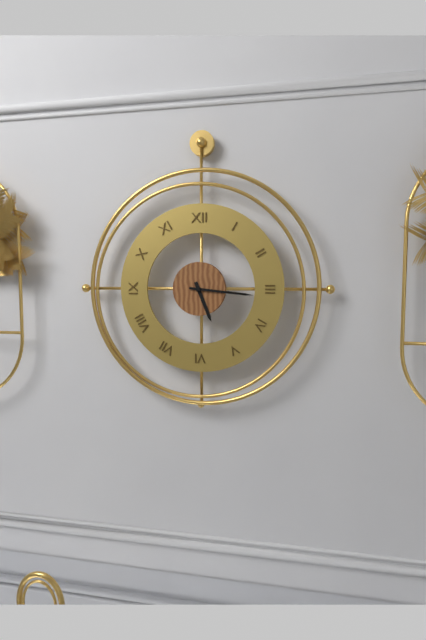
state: 5:16
